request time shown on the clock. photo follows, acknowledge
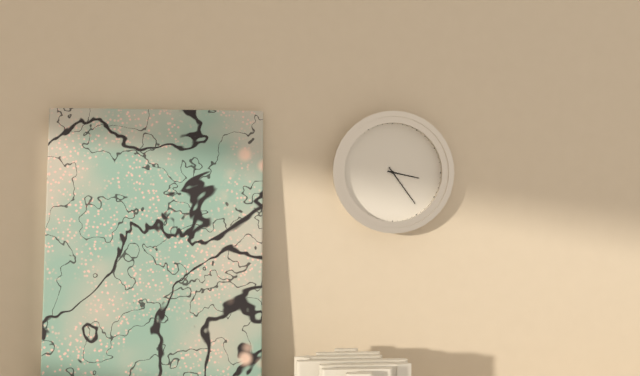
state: 3:24
